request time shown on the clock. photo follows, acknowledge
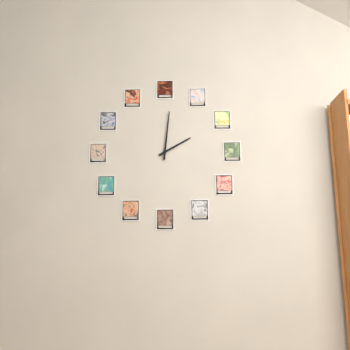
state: 2:01
